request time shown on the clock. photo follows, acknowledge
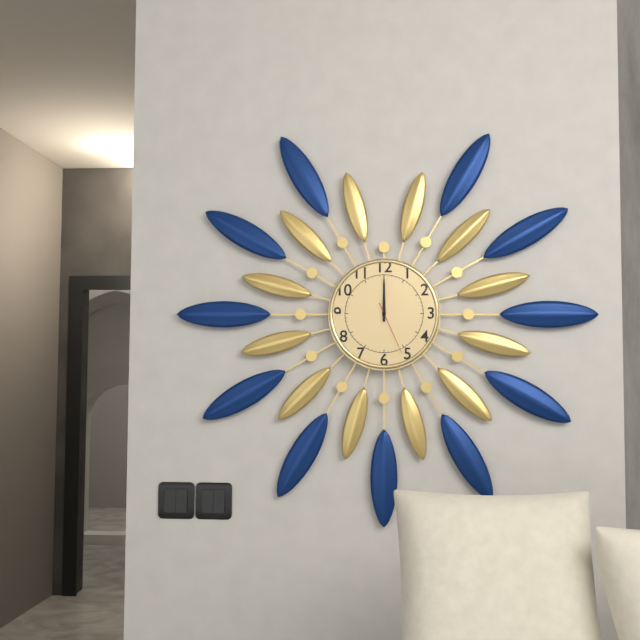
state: 12:00:26
